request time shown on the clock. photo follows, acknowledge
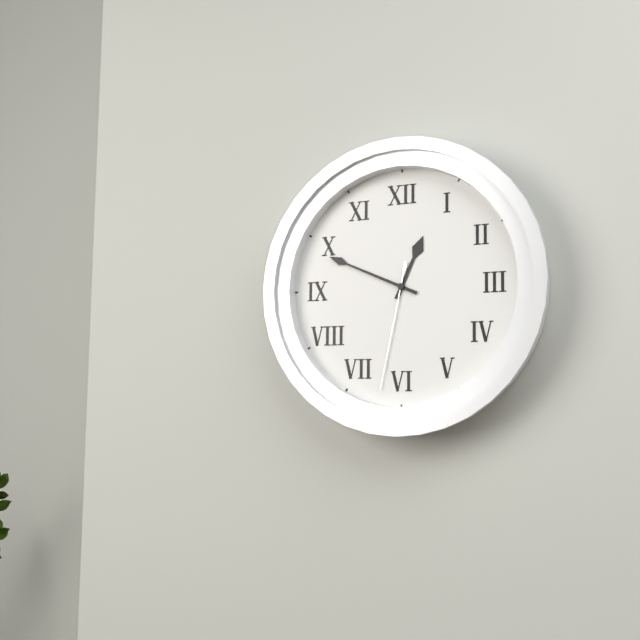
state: 12:49:32
